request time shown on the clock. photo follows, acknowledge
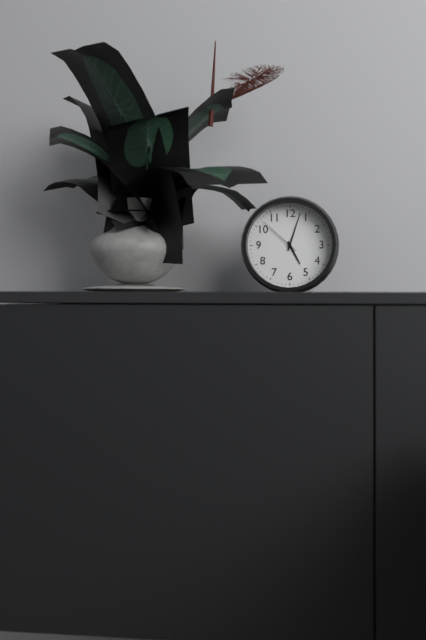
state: 5:03
